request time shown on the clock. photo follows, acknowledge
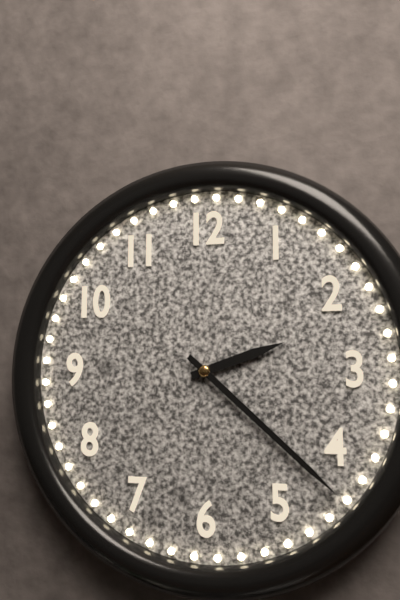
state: 2:22
